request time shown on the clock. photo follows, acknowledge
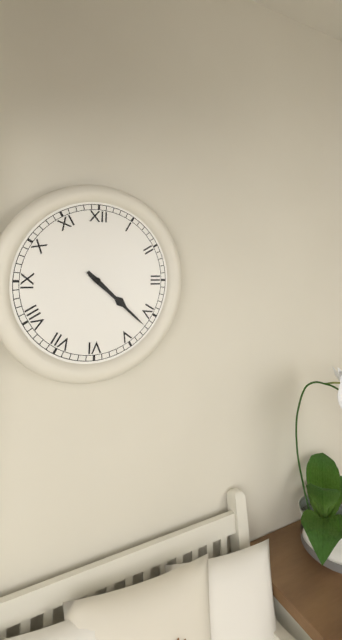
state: 4:22
